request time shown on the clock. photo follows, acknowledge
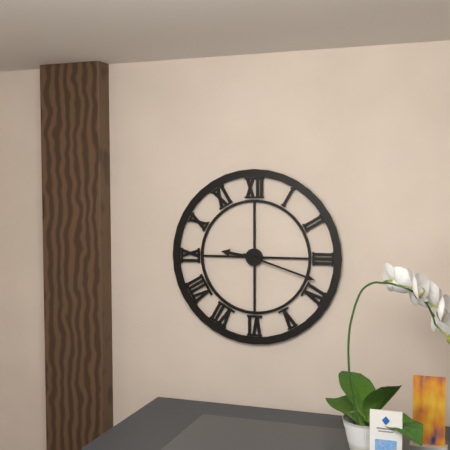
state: 9:18
